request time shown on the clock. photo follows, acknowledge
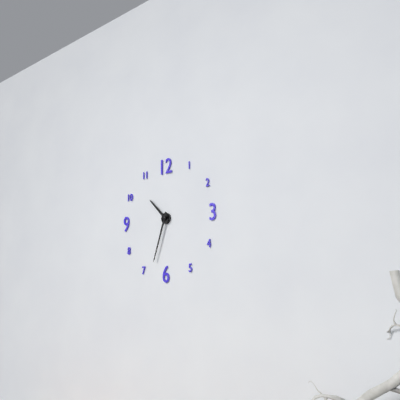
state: 10:33
